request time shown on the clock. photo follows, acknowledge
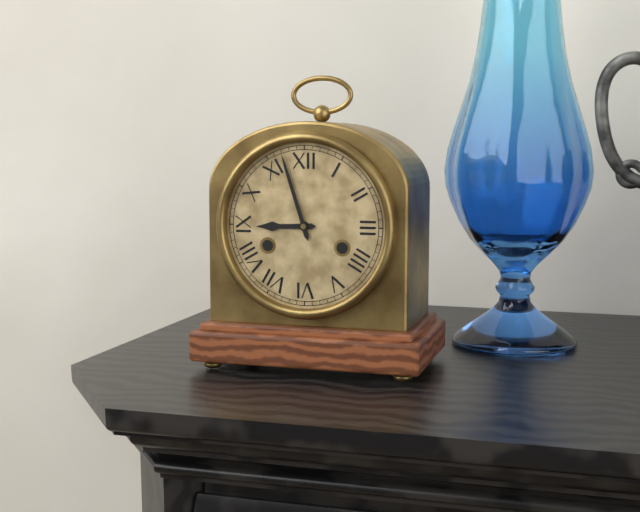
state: 8:57
